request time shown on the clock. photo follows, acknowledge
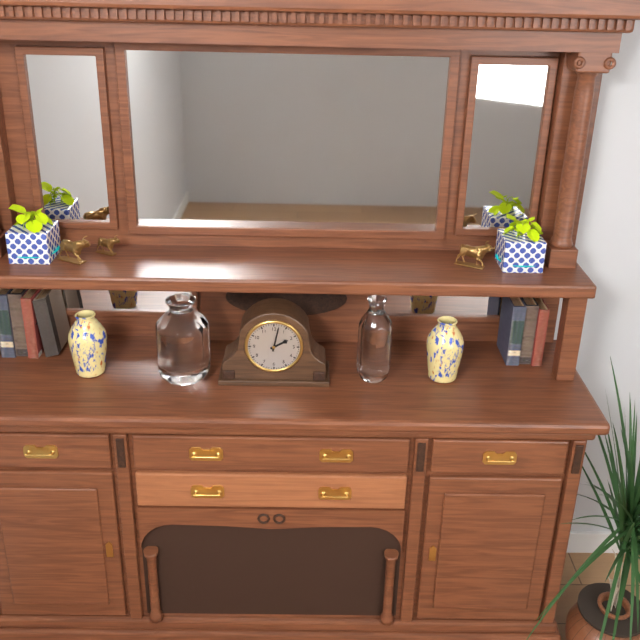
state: 2:02
